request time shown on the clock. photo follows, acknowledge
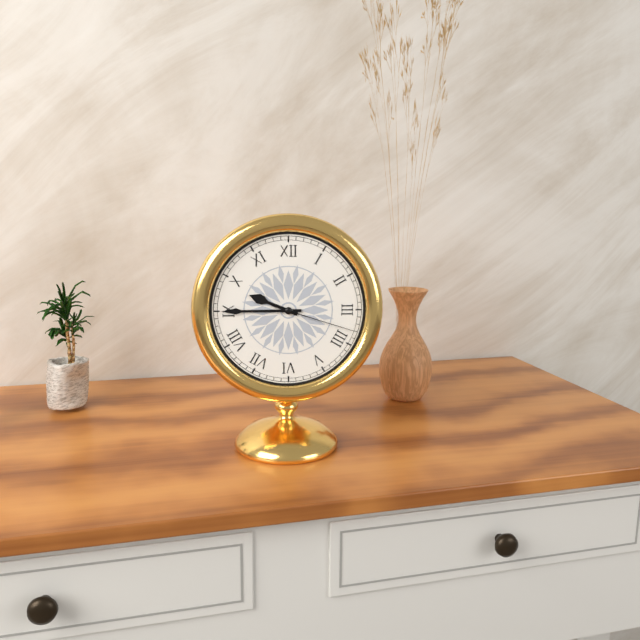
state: 9:45:18
